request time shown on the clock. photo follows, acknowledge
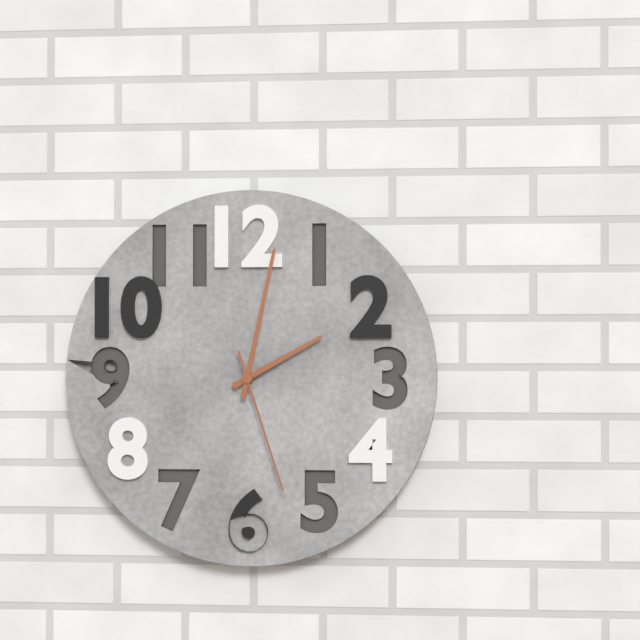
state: 2:02:27
